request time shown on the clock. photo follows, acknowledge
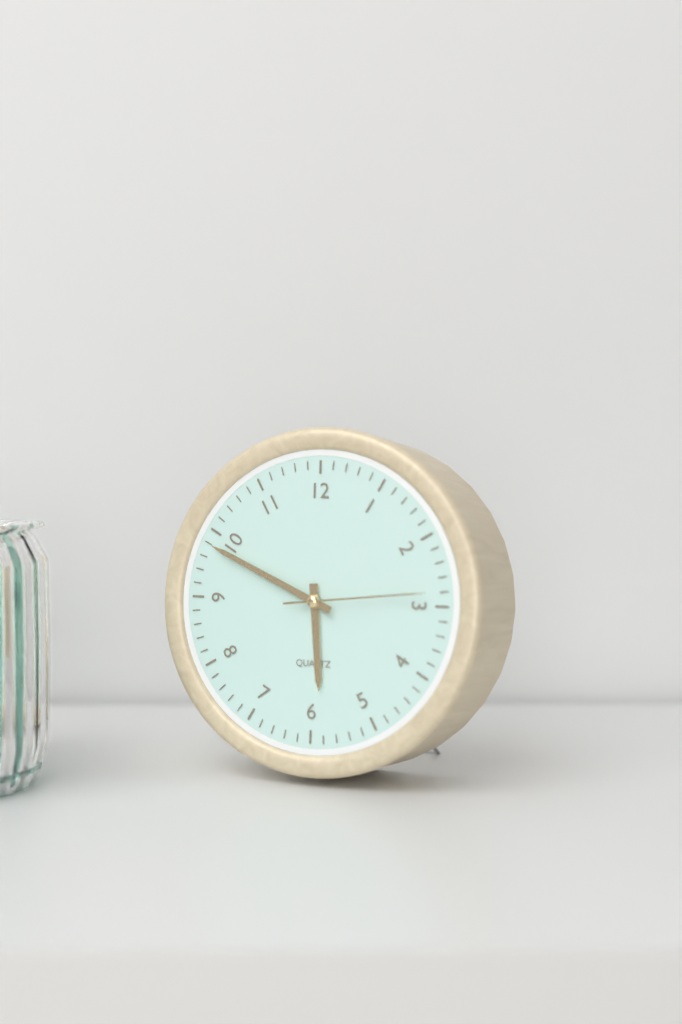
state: 5:49:14
